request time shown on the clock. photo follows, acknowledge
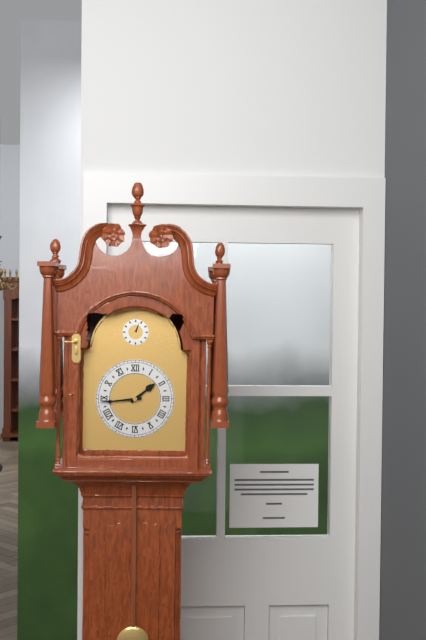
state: 1:44
